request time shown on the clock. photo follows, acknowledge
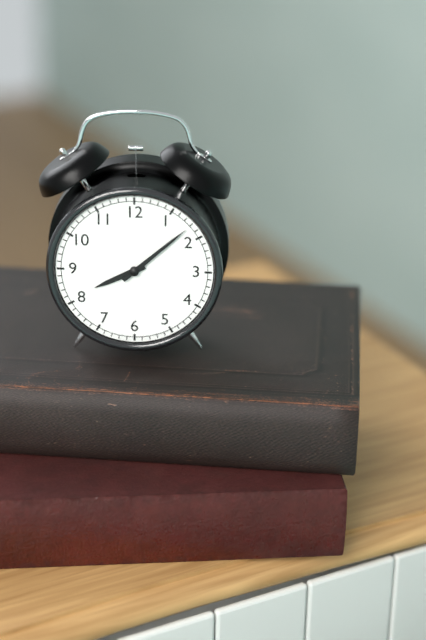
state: 8:08
